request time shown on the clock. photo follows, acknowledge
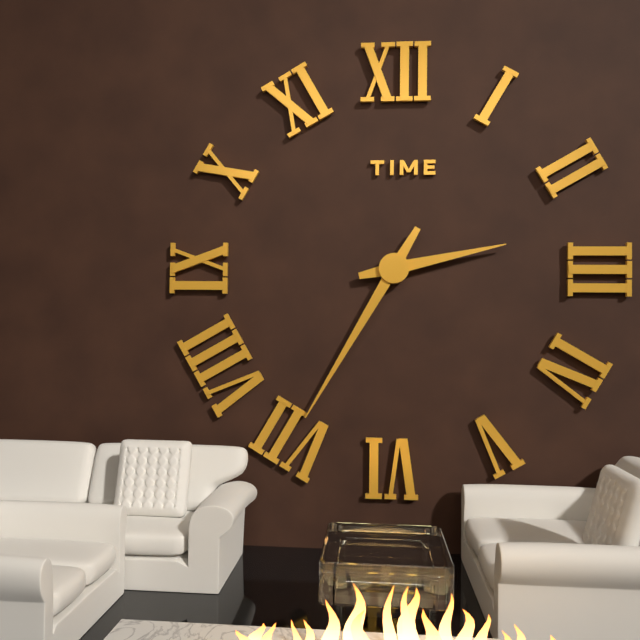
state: 2:35
